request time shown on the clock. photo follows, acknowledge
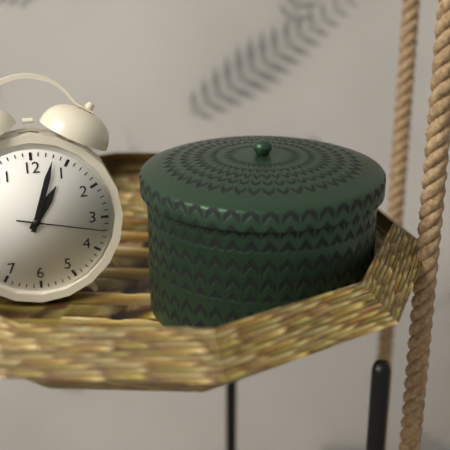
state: 1:03:17
